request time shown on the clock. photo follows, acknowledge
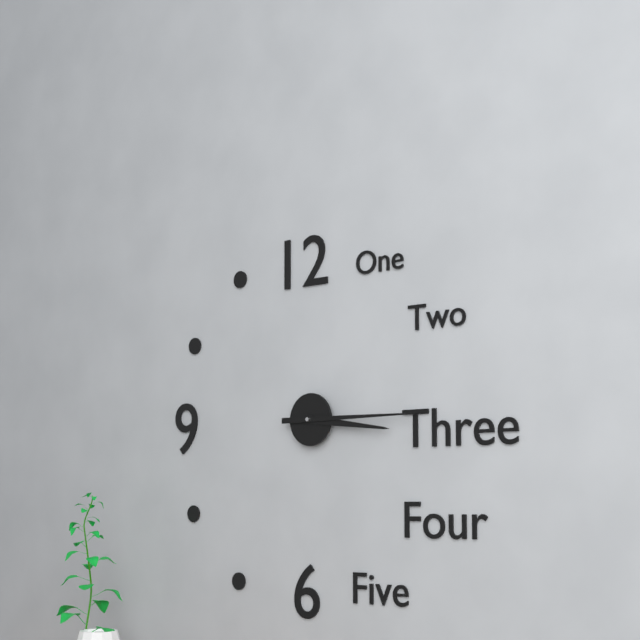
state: 3:15
